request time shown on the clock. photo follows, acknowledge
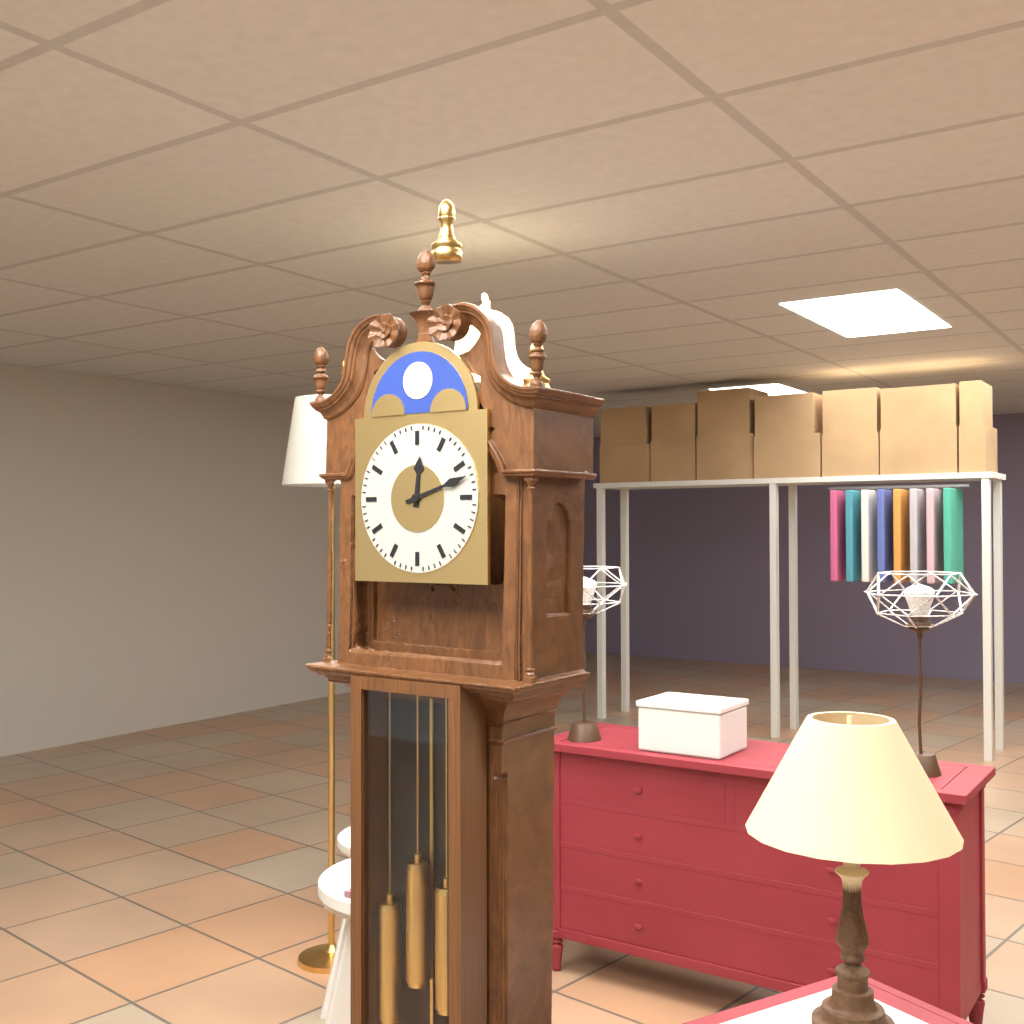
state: 12:12
